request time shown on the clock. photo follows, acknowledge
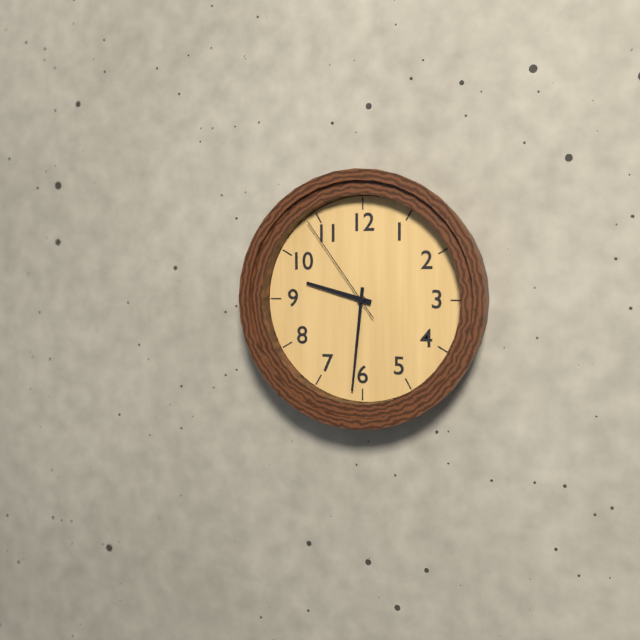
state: 9:31:54
